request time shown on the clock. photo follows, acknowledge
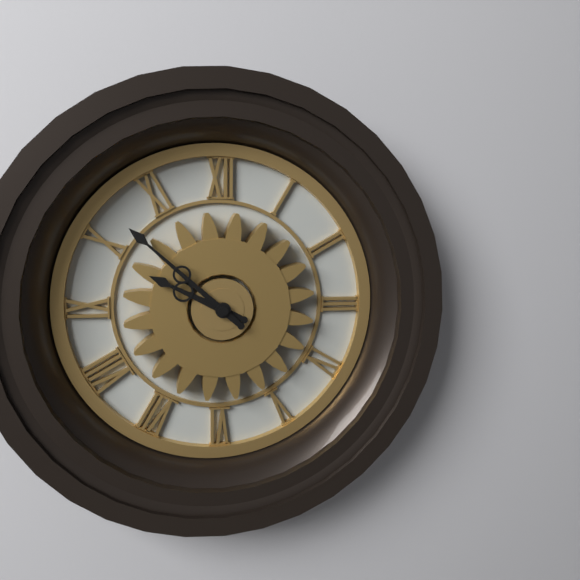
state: 9:52
